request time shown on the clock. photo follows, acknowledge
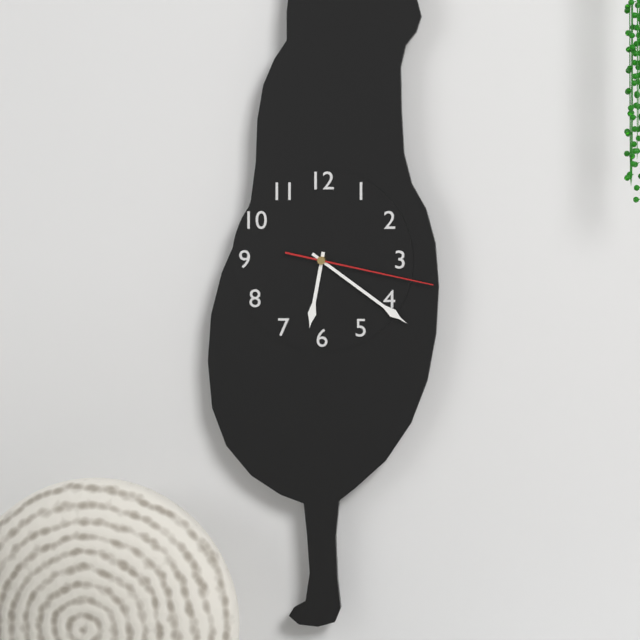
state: 6:21:17
